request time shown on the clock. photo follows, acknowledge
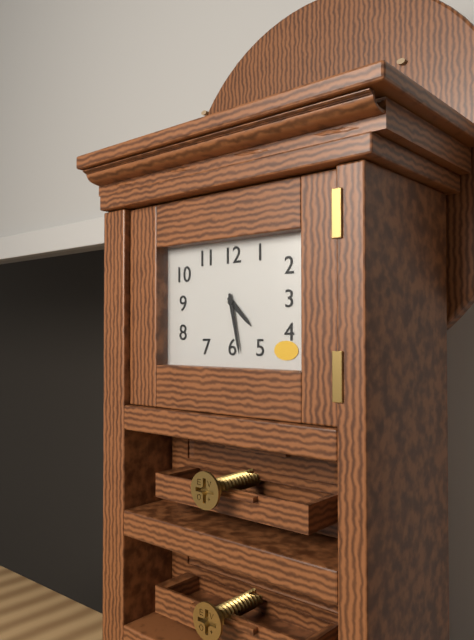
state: 4:28
